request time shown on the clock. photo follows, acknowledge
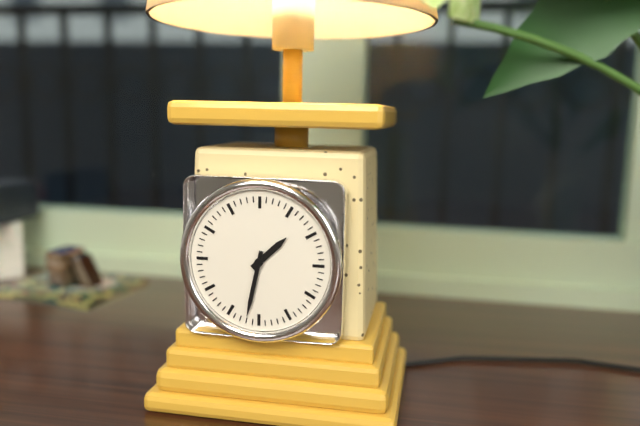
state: 1:32
